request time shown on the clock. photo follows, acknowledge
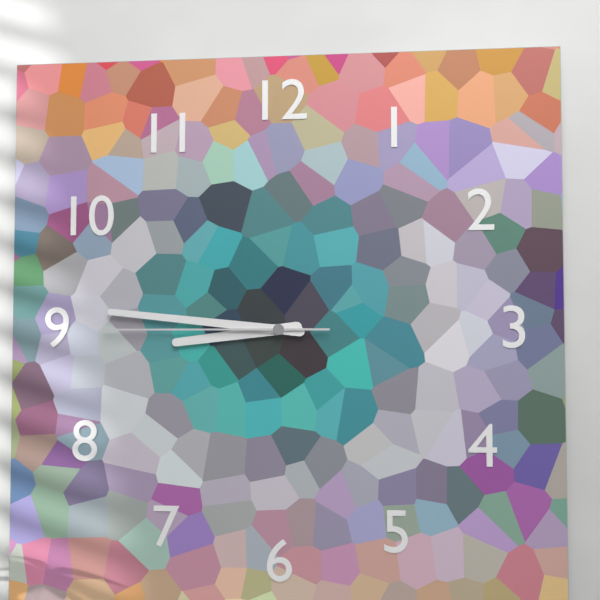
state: 8:46:45
